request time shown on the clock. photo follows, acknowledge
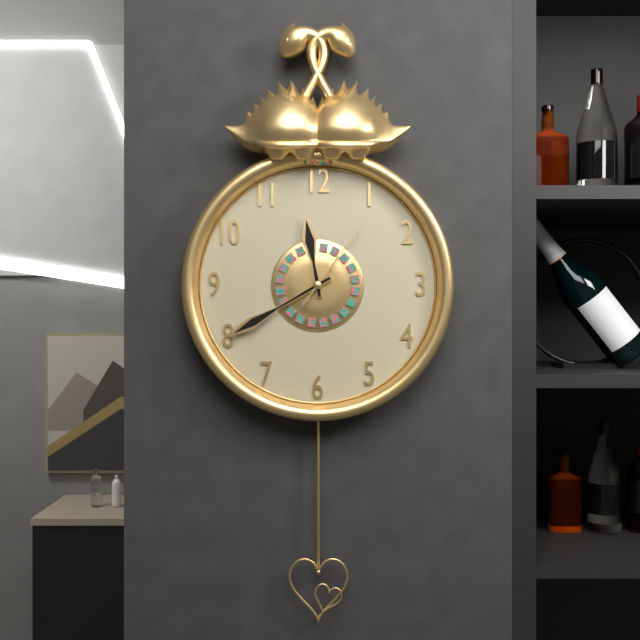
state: 11:40:06
